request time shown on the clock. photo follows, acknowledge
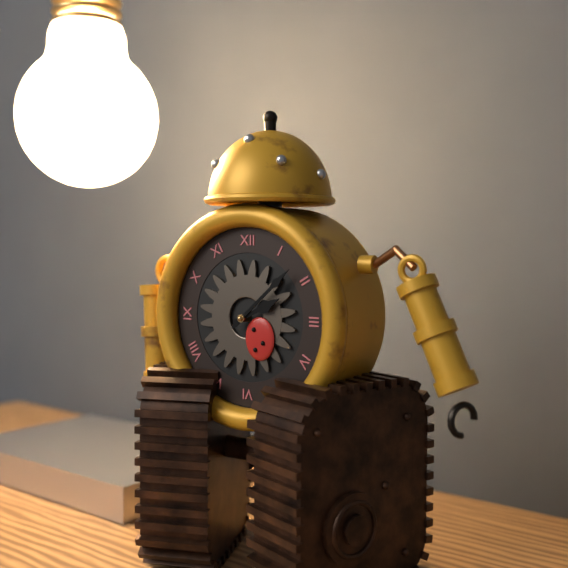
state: 2:08
